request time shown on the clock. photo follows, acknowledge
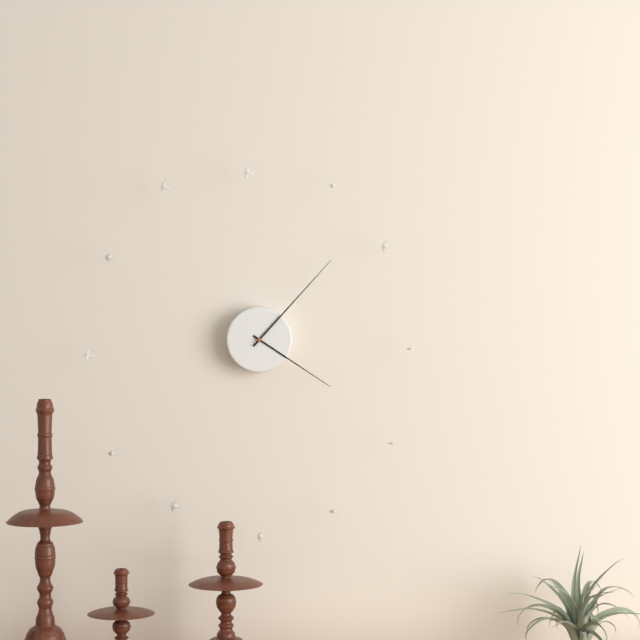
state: 4:07
